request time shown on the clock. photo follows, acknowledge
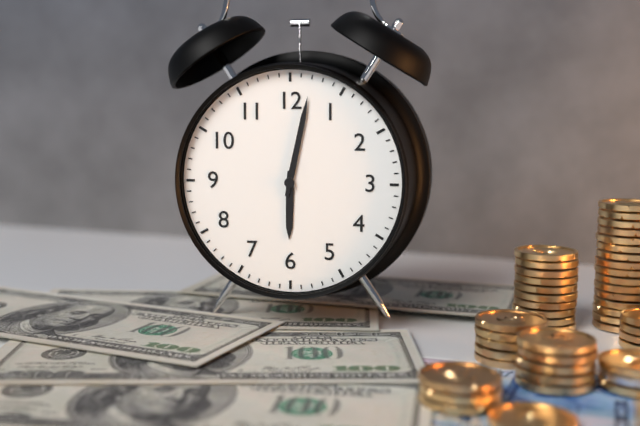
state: 6:02
